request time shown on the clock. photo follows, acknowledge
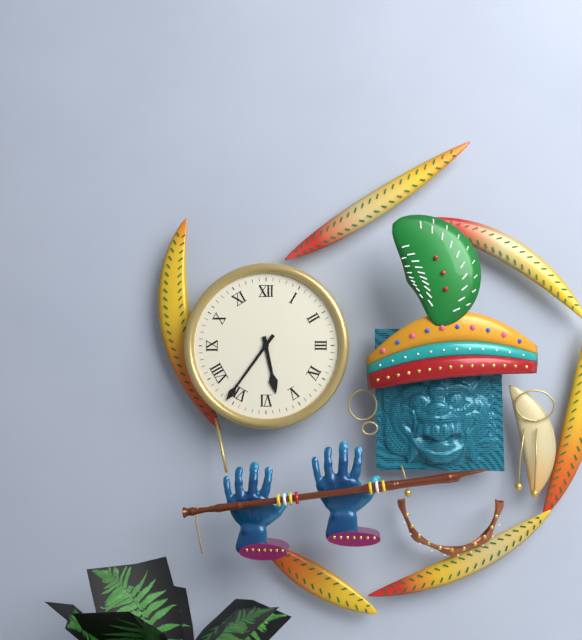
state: 5:36
